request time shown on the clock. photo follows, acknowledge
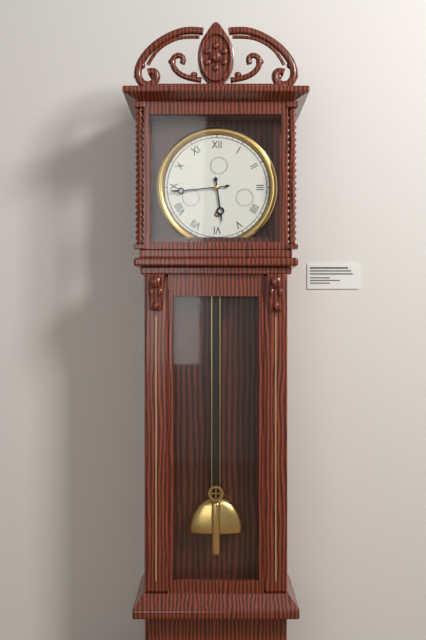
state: 5:44
